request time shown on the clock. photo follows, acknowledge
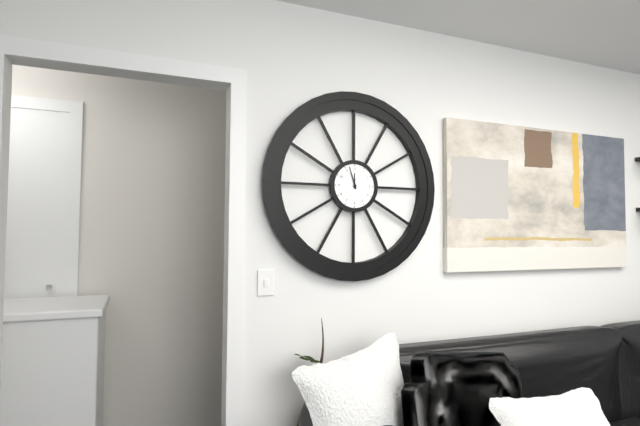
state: 11:57
